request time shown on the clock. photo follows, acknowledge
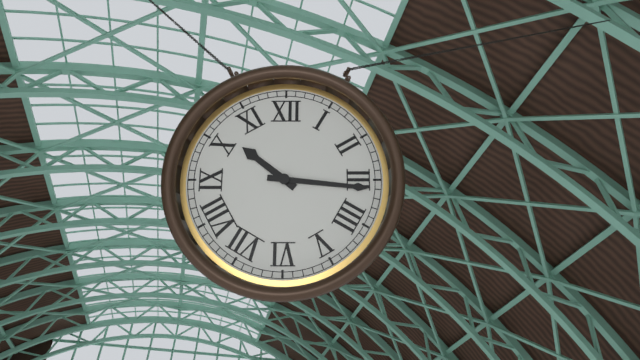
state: 10:16
